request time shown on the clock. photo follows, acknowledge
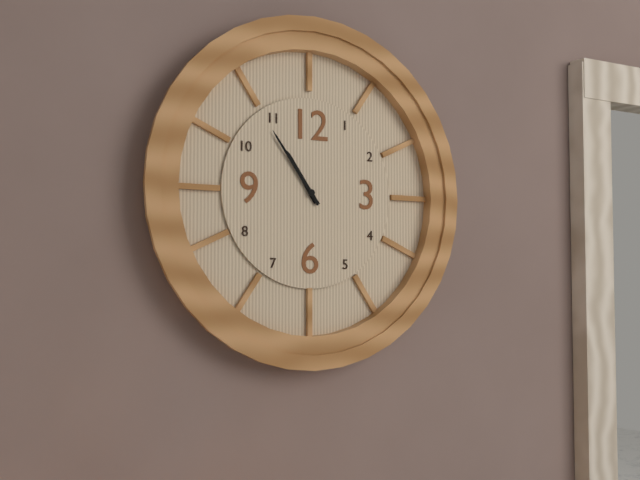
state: 10:54
